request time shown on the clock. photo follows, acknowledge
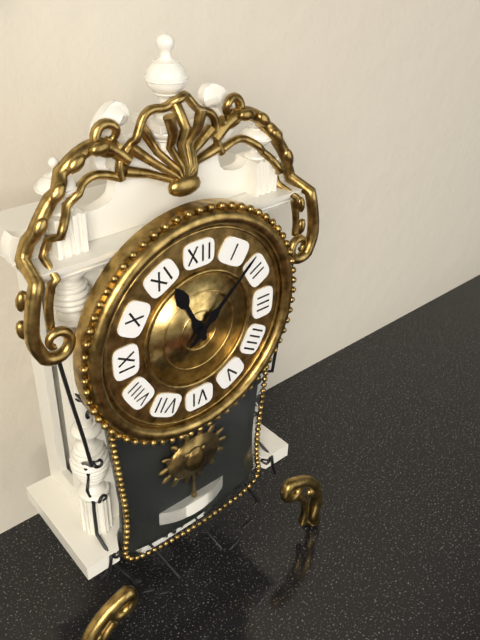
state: 11:08
